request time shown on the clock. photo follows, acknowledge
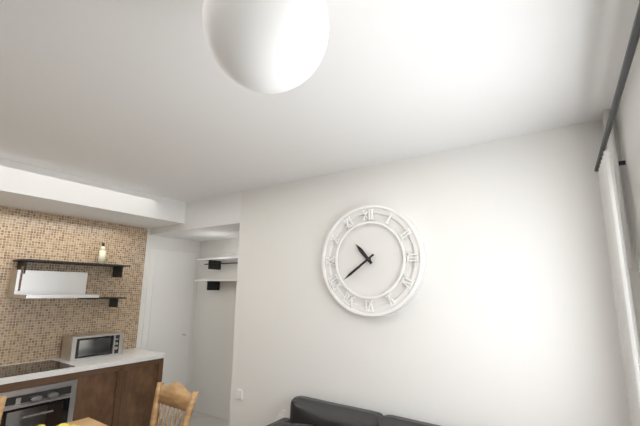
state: 10:39
